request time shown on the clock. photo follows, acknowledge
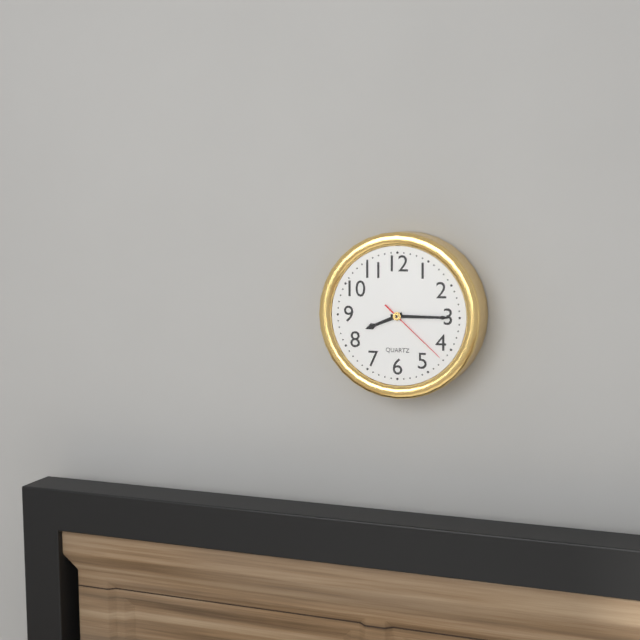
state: 8:15:22
